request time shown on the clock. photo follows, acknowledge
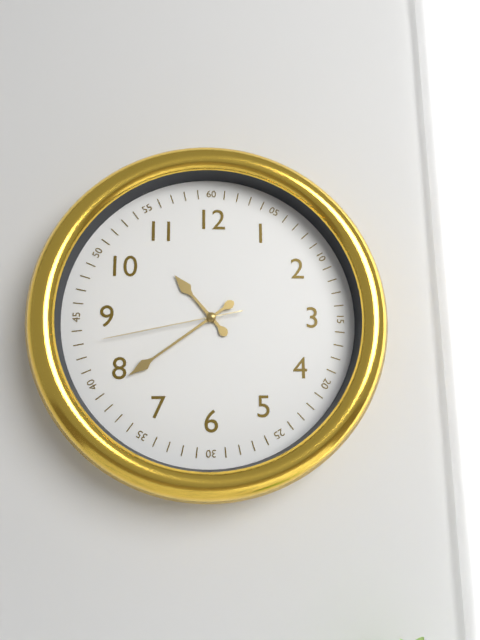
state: 10:39:43
